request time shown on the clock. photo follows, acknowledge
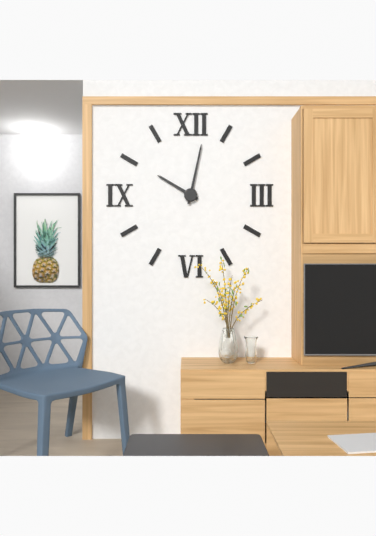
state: 10:02
